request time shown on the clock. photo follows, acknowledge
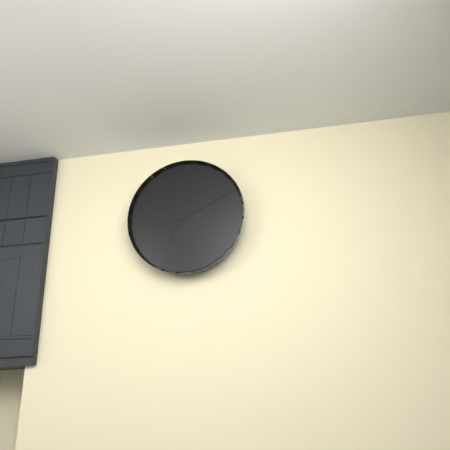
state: 7:11
